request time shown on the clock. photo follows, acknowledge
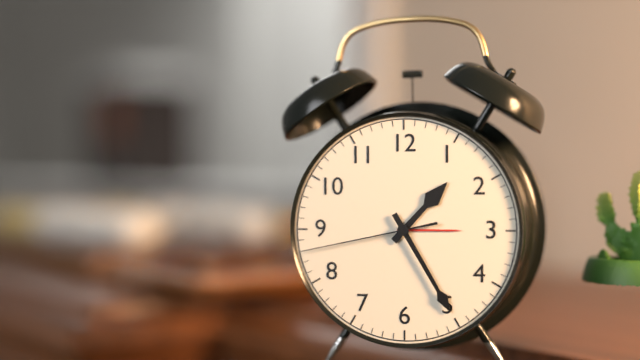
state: 1:25:43
